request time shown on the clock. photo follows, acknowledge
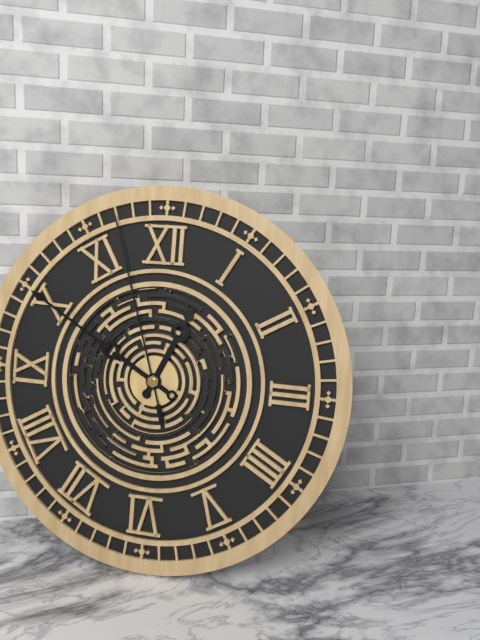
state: 12:50:57
